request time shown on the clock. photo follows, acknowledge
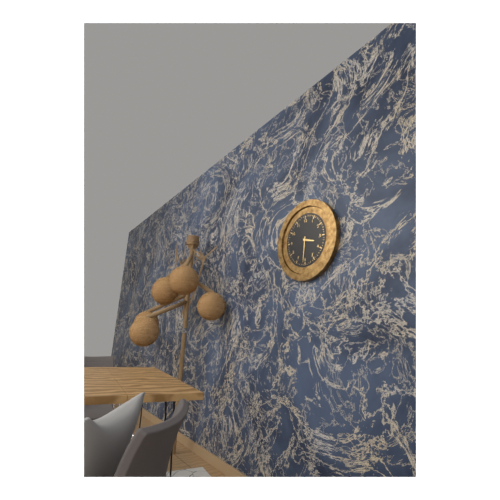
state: 3:31
